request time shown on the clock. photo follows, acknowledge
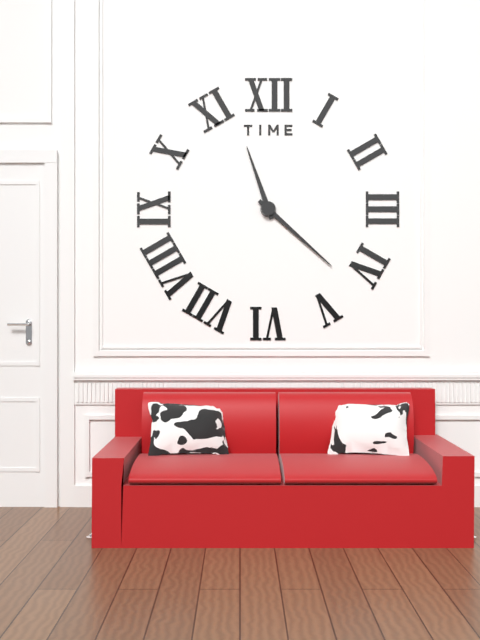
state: 11:22
